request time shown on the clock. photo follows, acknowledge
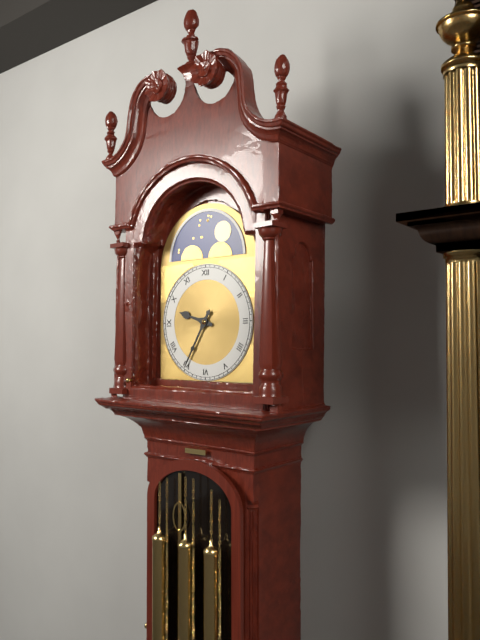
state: 9:35
